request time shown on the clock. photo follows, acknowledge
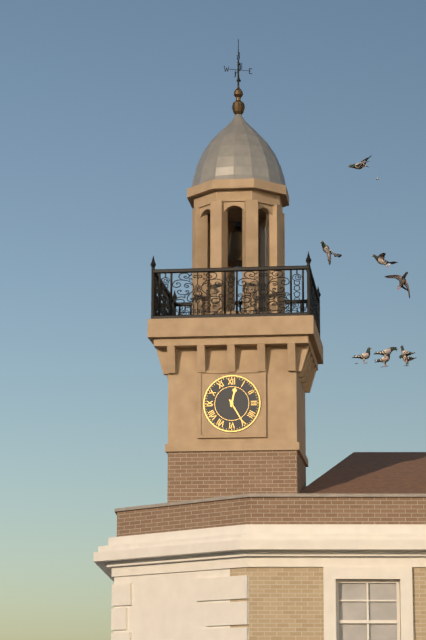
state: 12:25
